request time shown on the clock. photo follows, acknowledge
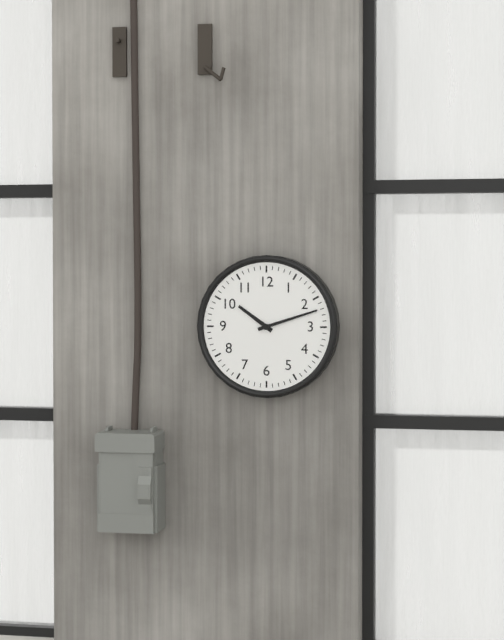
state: 10:12
